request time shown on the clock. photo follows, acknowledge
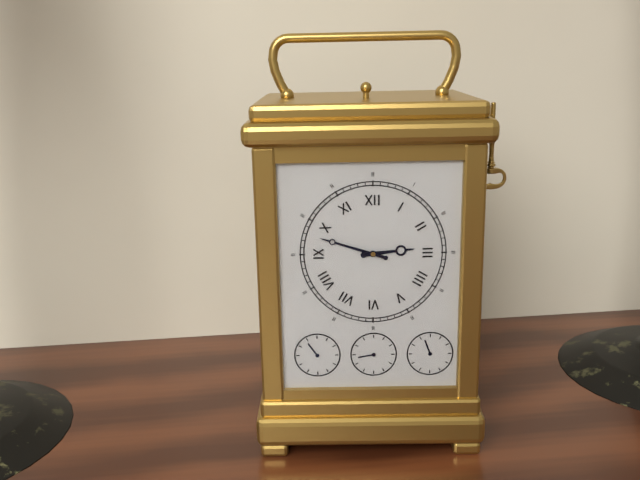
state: 2:48
